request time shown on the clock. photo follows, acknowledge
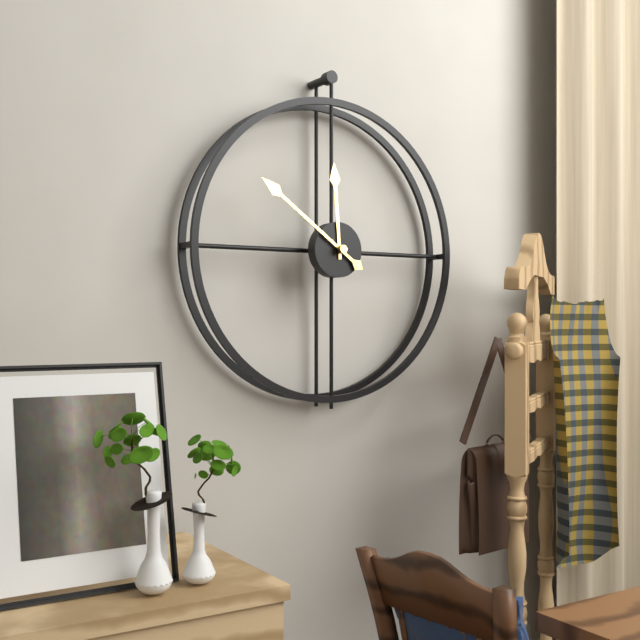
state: 11:51
